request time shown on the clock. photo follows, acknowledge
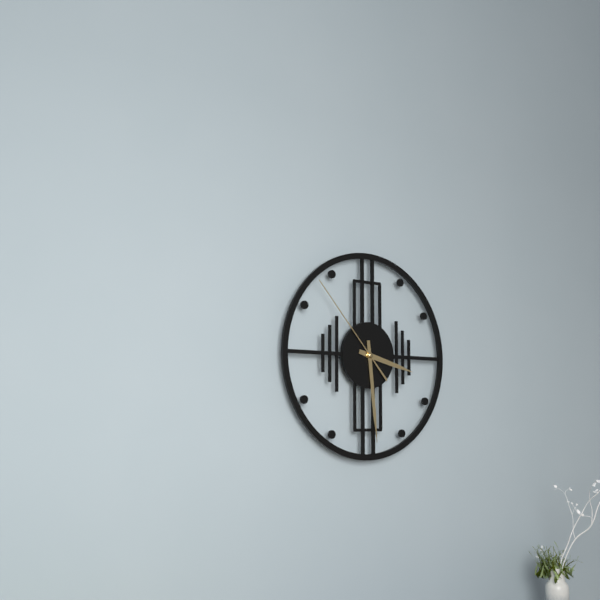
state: 3:29:53
